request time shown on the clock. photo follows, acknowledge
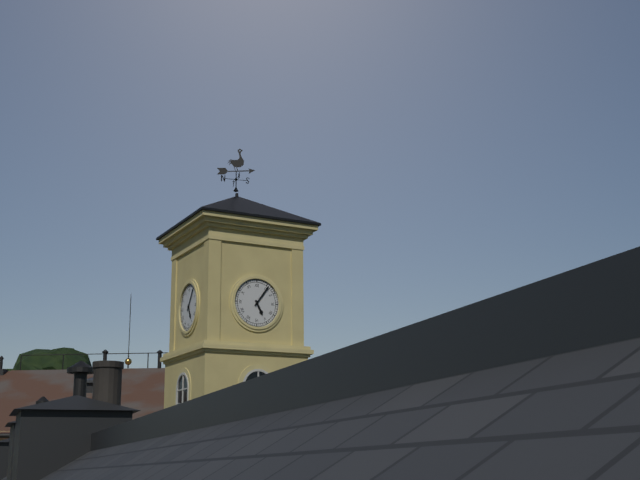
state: 5:06
